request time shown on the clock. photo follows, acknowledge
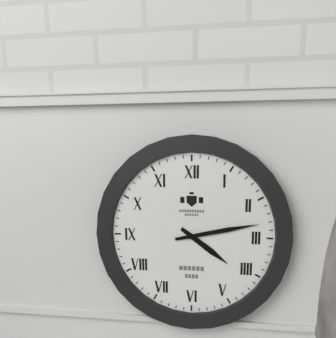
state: 4:13
